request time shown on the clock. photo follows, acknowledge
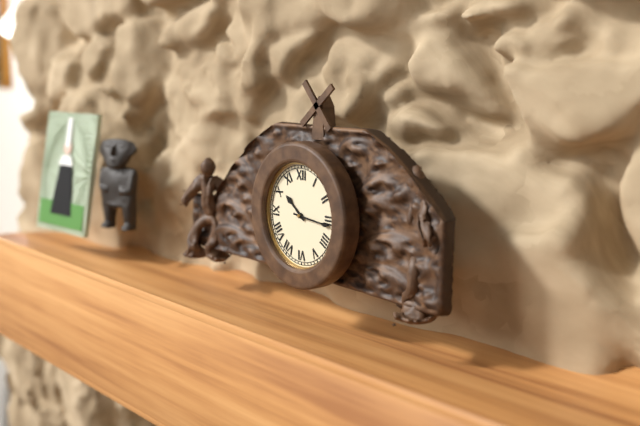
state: 10:16
